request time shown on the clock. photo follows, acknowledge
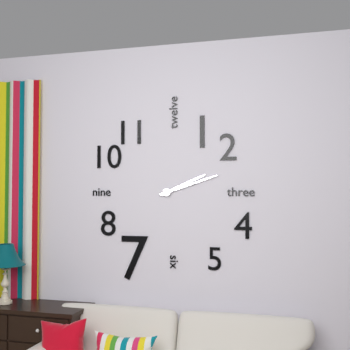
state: 2:12
